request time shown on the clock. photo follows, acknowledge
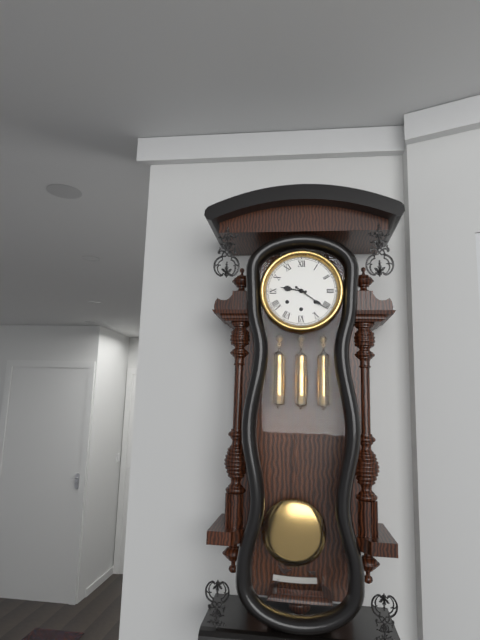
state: 9:21
